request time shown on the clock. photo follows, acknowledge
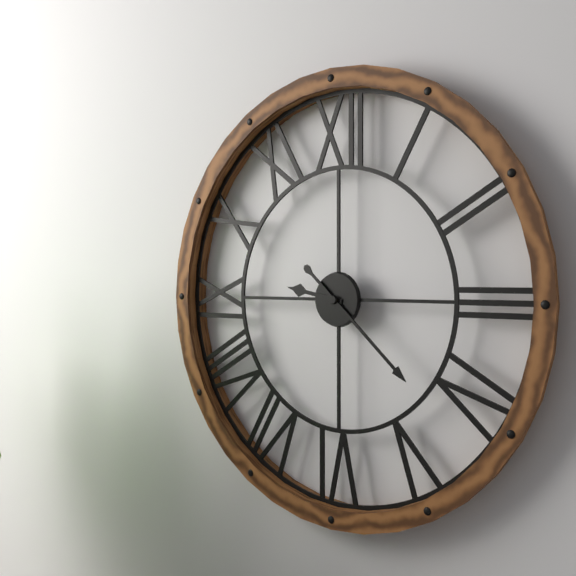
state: 9:22
